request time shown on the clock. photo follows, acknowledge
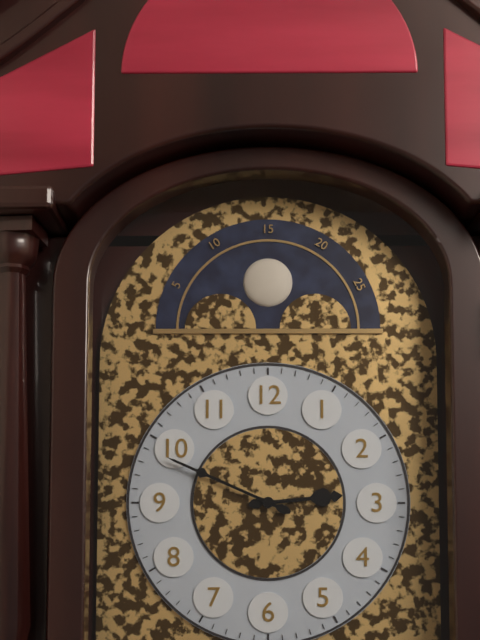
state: 2:49
